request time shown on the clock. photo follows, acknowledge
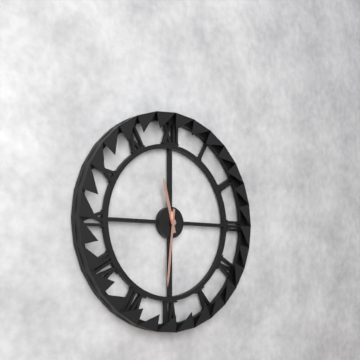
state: 11:31
